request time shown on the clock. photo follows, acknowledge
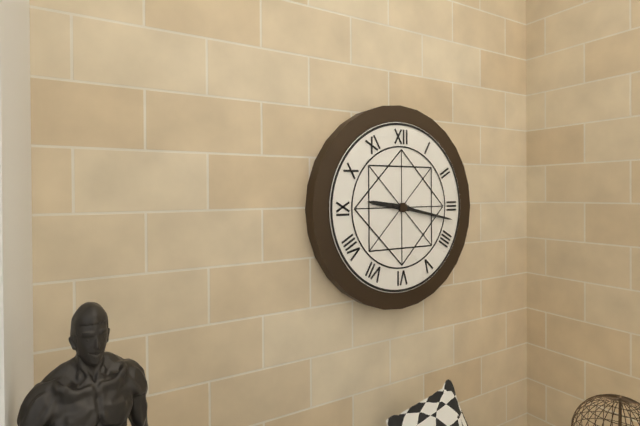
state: 9:17
